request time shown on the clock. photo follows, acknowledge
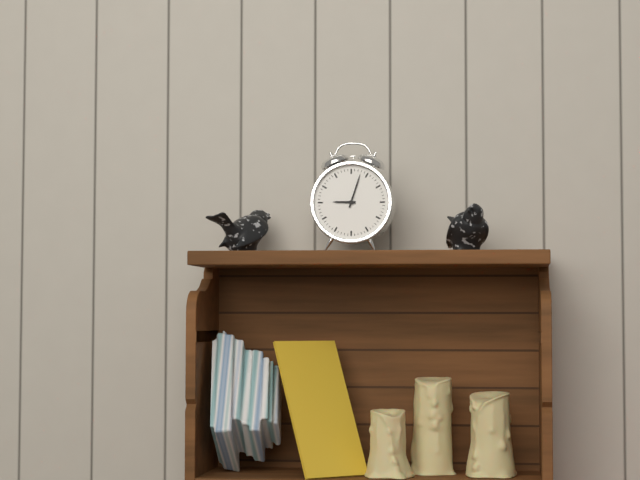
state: 9:03
